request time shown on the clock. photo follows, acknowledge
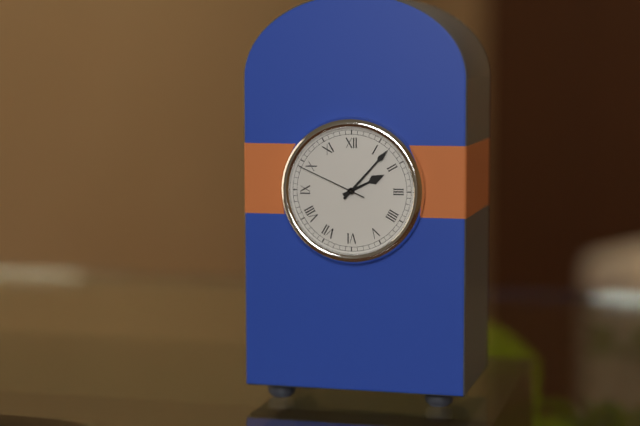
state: 2:07:49
